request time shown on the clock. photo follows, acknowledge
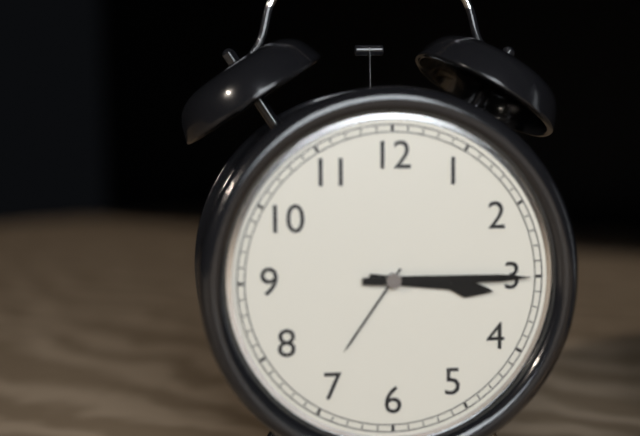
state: 3:15
